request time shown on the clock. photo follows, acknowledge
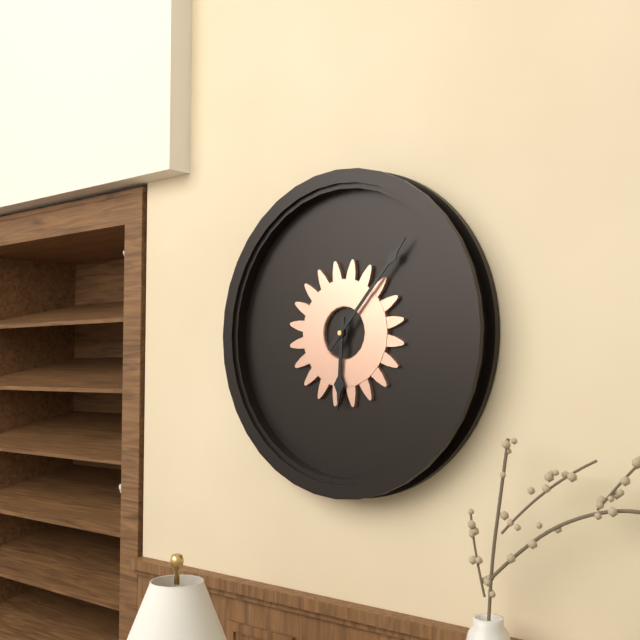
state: 6:07
